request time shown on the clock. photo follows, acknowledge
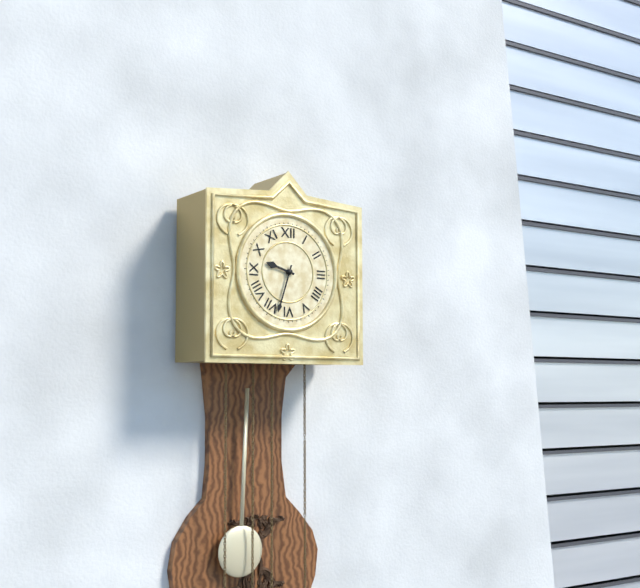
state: 9:33
